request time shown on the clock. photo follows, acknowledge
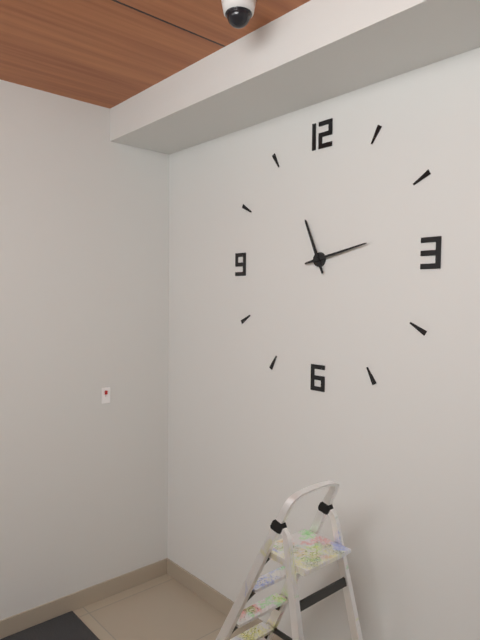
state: 11:13
